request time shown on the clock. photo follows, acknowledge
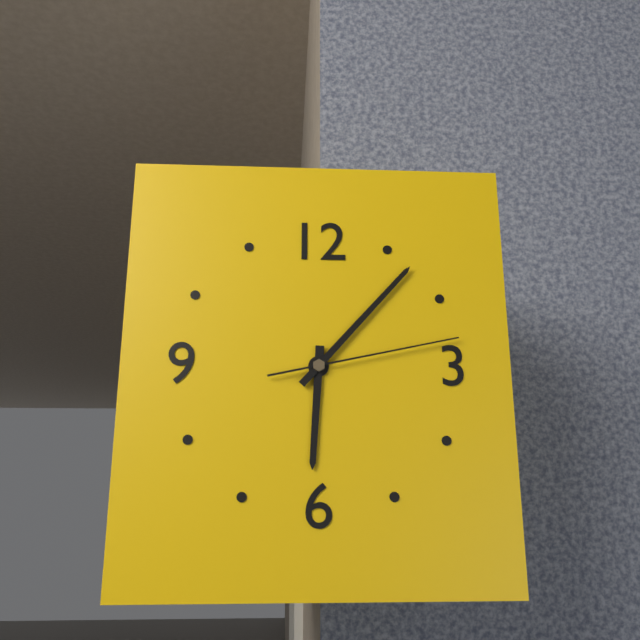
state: 6:07:13
